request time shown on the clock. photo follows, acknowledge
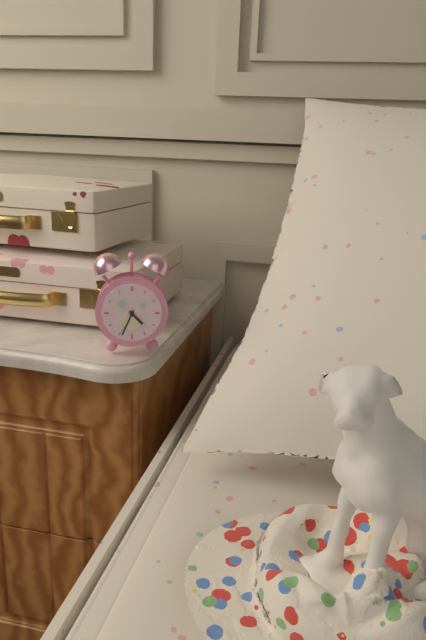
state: 4:34
